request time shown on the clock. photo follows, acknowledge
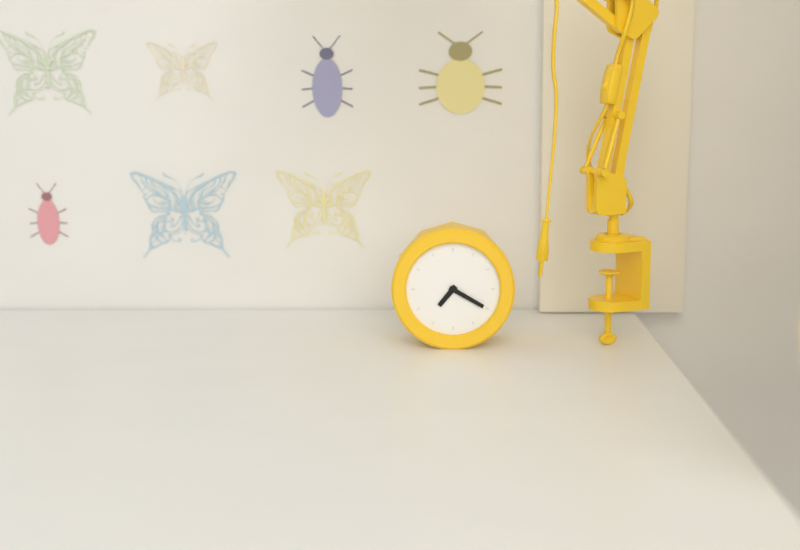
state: 7:20
